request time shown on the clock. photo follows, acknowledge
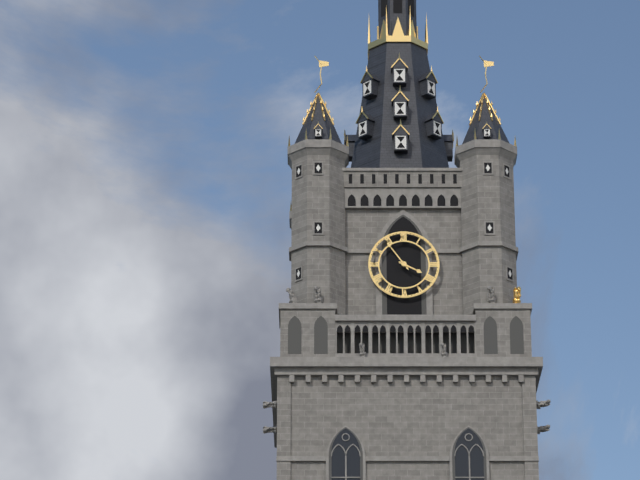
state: 3:54
